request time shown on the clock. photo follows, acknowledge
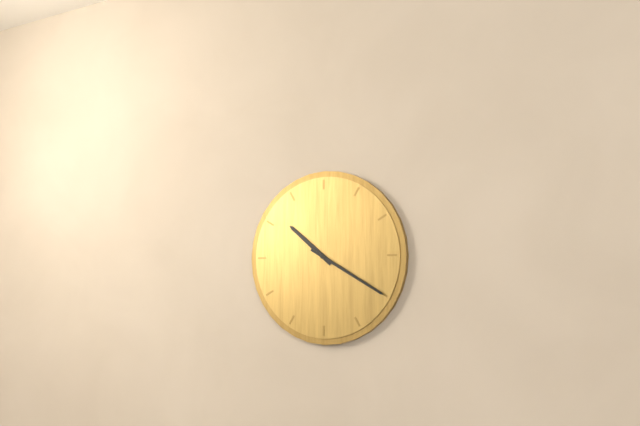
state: 10:20
